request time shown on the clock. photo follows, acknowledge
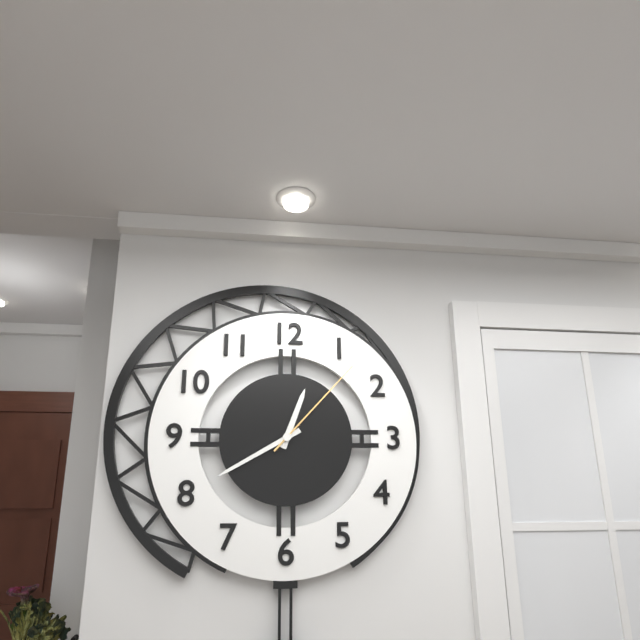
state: 12:40:07
